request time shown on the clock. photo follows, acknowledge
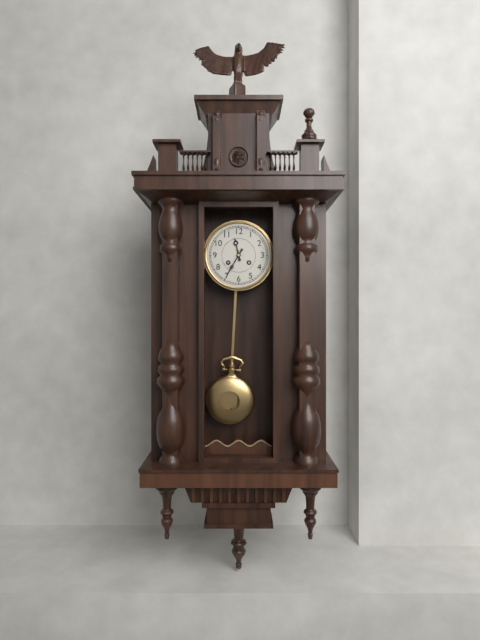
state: 11:35
